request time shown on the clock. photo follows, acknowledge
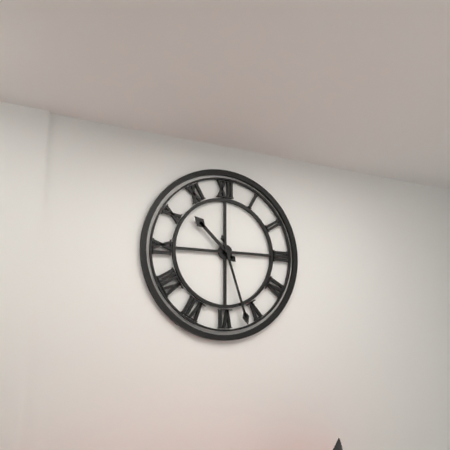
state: 10:27
